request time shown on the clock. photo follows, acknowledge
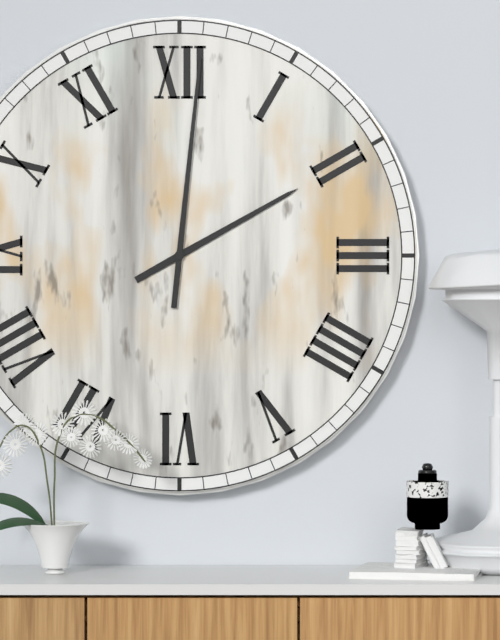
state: 2:01
